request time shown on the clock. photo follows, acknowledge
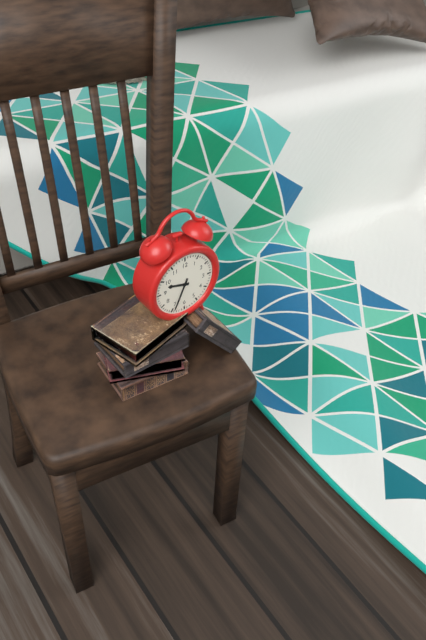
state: 9:34
